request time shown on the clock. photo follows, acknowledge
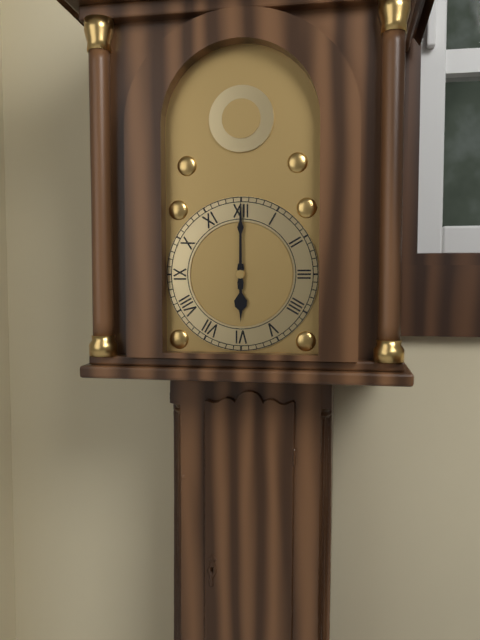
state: 6:00
